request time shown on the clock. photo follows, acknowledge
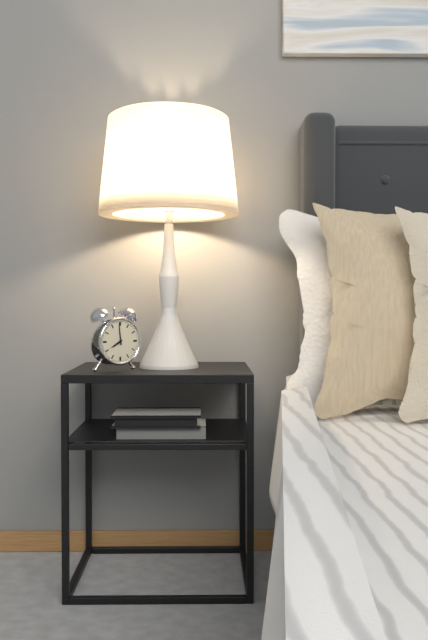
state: 7:59
